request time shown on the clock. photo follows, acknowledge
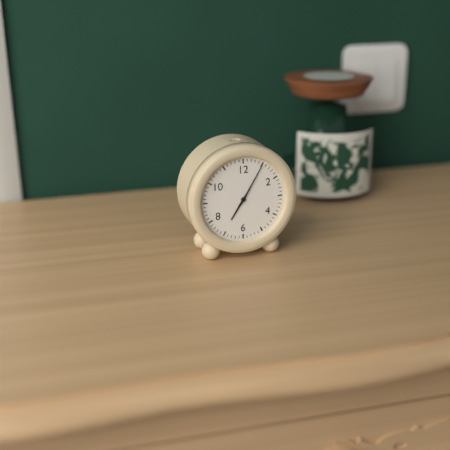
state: 7:05
